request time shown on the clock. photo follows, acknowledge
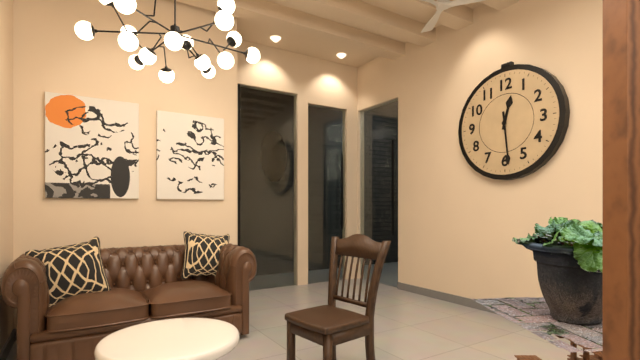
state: 12:29
